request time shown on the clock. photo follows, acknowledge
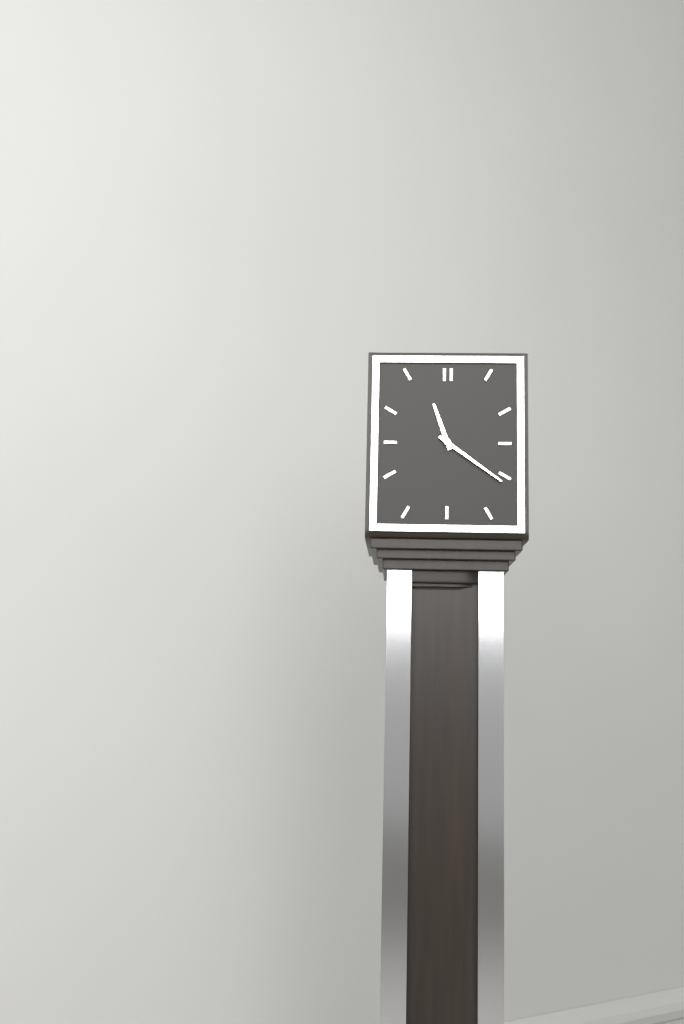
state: 11:21
